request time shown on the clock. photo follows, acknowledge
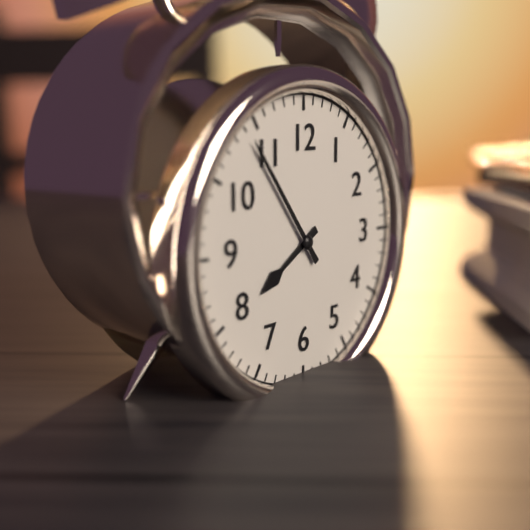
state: 7:54
